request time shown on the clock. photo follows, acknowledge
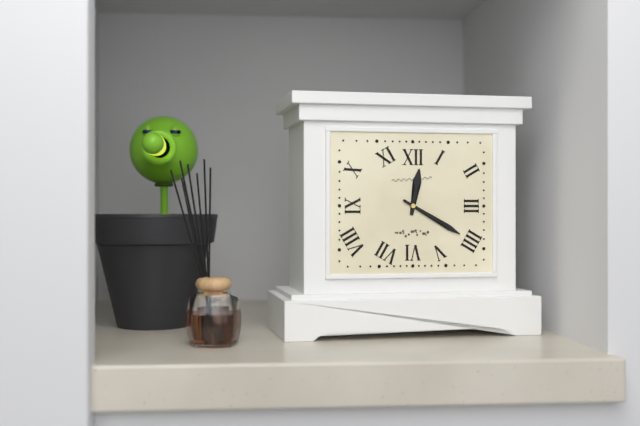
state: 12:20
